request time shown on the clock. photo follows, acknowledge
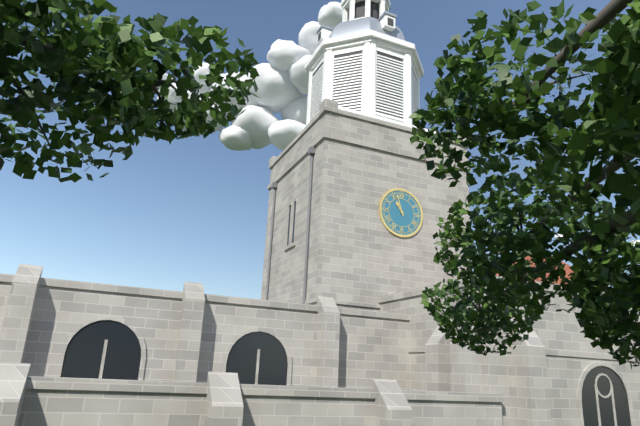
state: 10:57
